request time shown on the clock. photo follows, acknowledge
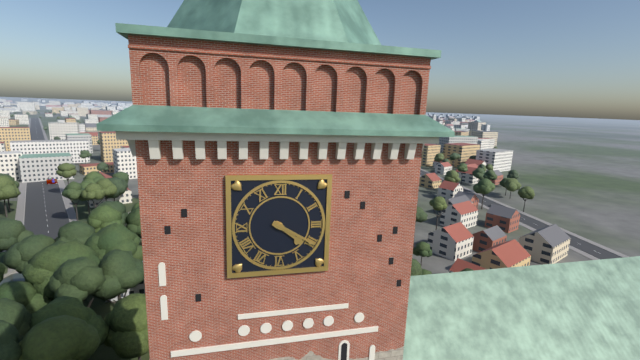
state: 4:20
